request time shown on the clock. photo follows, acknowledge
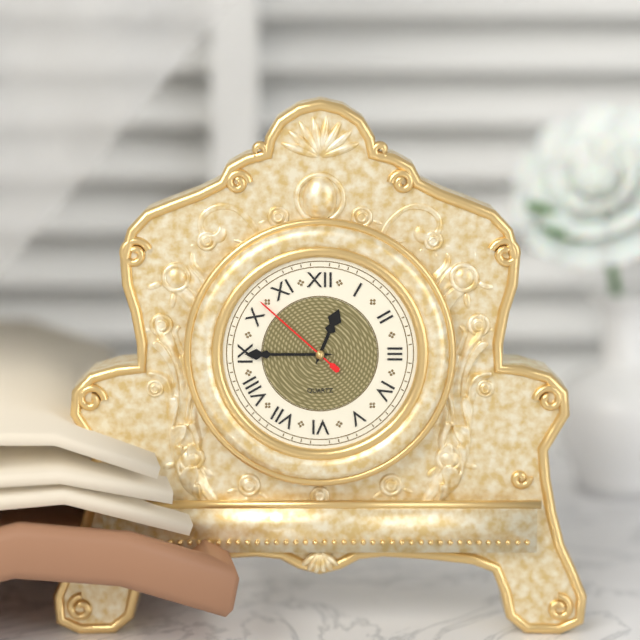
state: 12:45:52
